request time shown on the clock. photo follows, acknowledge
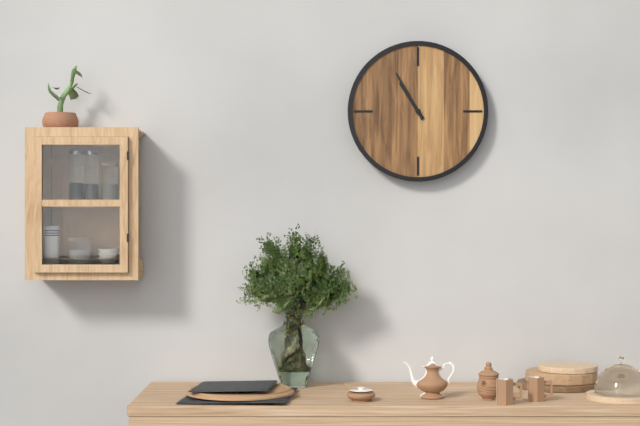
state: 10:55
